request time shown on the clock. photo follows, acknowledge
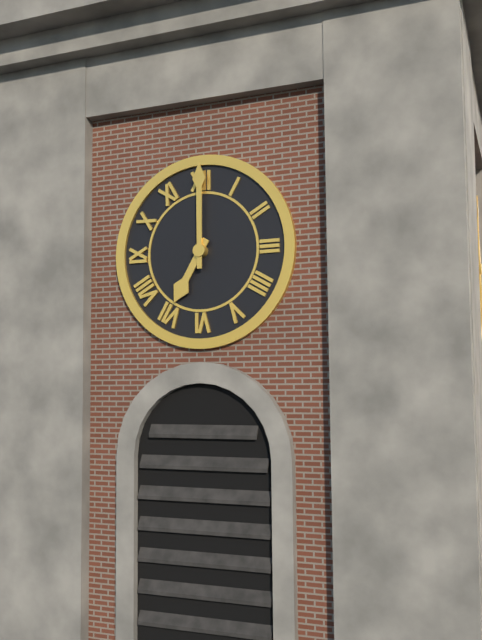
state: 7:00
